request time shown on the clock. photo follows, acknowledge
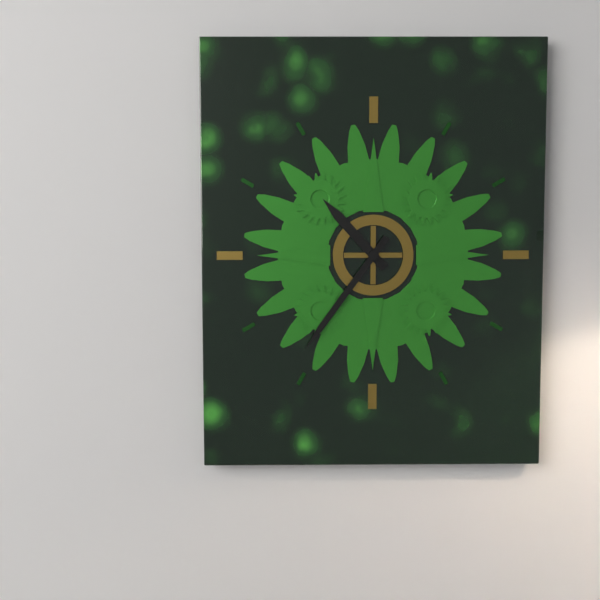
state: 10:36
